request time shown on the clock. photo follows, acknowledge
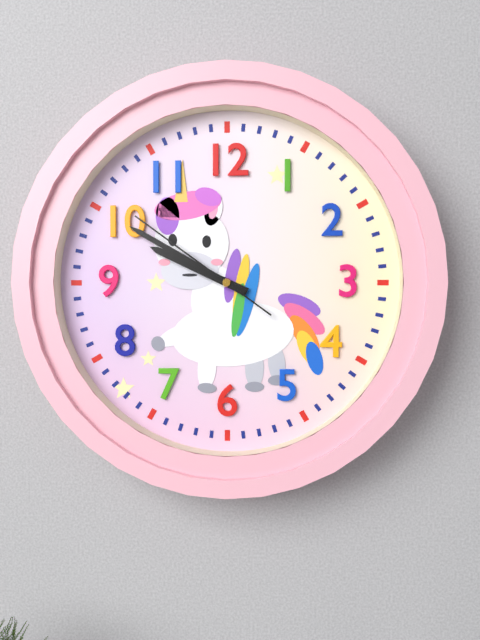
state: 9:50:51
